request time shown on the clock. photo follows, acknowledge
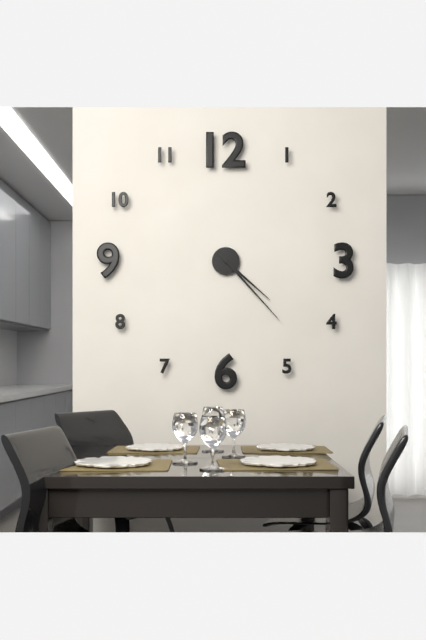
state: 4:23
